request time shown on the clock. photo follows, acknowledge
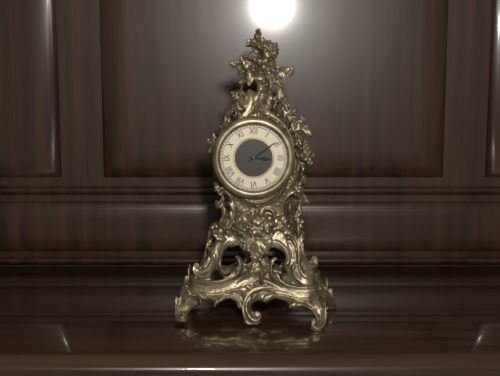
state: 3:09
